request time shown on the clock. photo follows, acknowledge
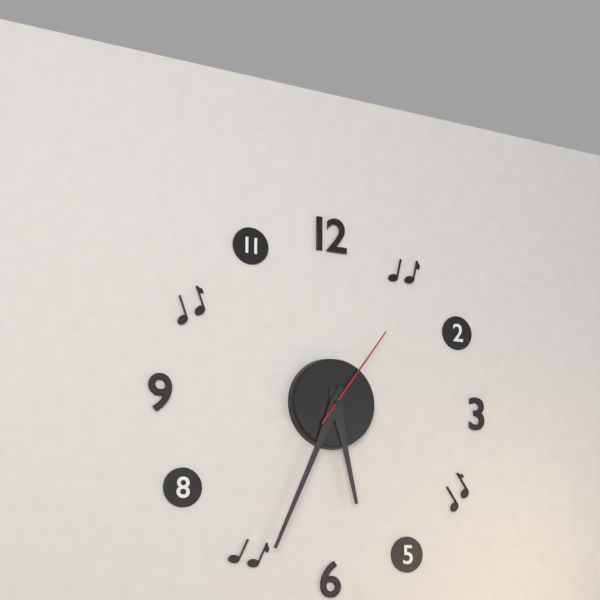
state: 5:34:06
